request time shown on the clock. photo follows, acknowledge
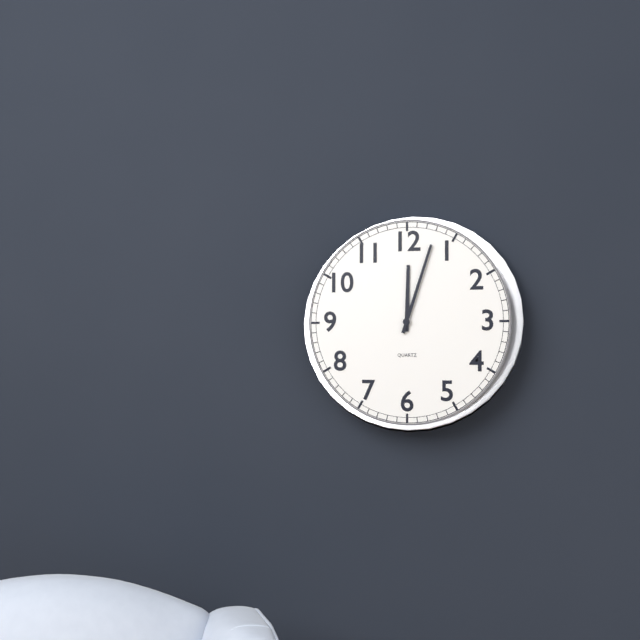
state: 12:03
